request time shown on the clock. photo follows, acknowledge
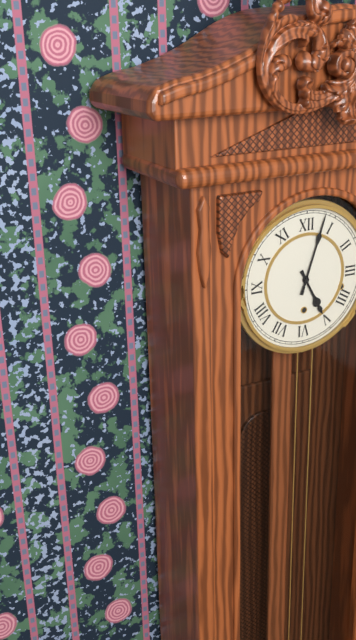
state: 5:03
